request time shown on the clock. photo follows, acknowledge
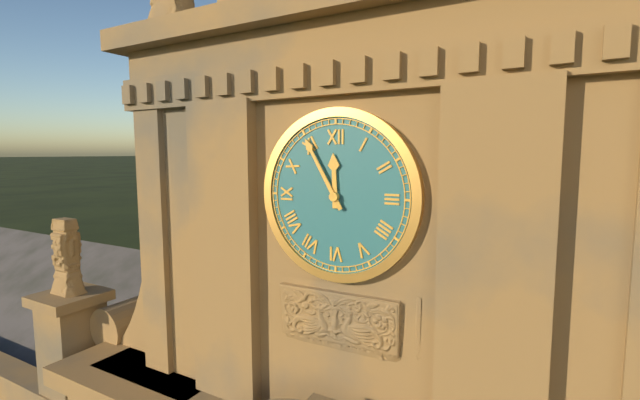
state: 11:55
